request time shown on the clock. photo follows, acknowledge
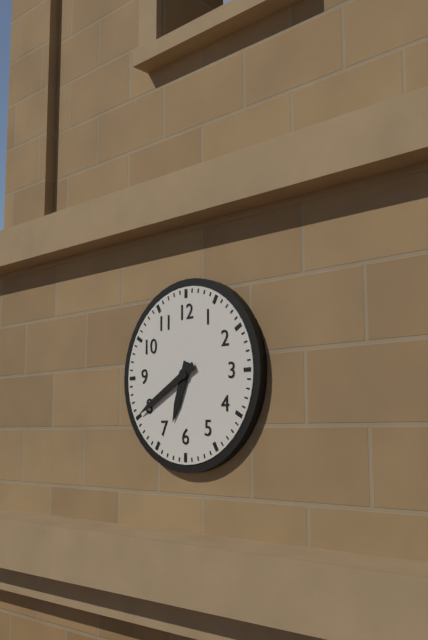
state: 6:40
